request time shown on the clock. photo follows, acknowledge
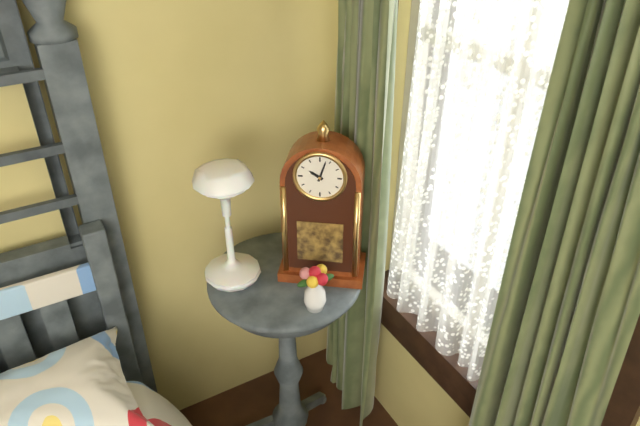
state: 10:03
